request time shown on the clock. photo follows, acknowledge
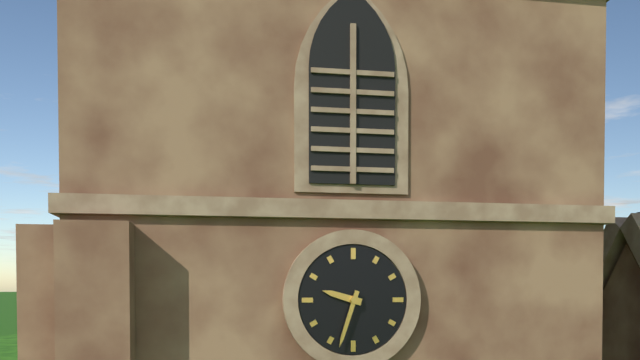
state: 9:33
